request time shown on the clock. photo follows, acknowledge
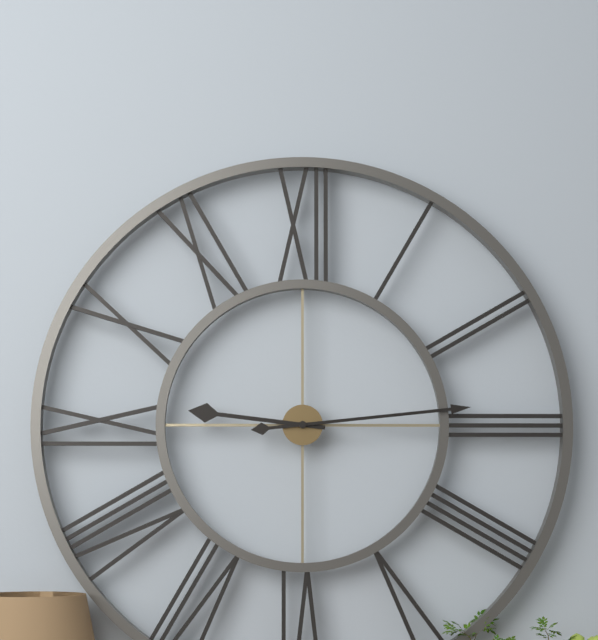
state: 9:14
